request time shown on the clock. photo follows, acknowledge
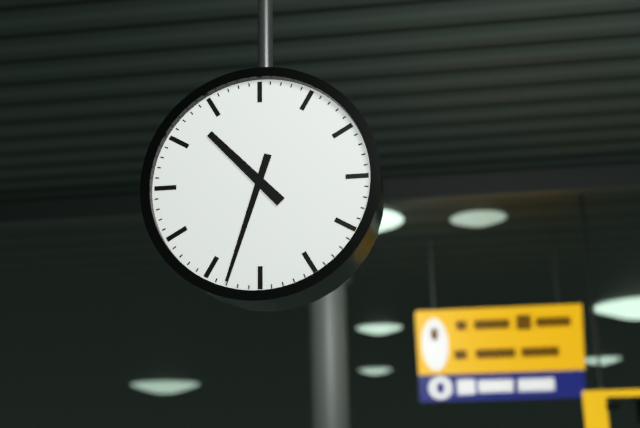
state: 10:33
